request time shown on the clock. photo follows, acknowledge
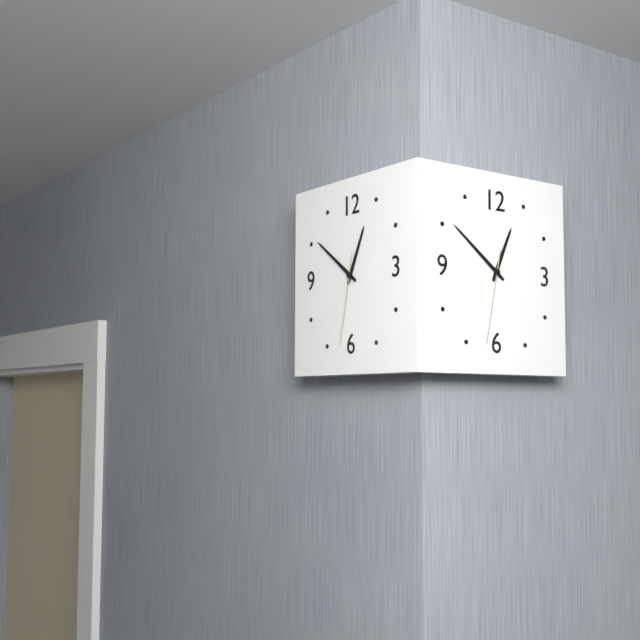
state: 12:51:32
